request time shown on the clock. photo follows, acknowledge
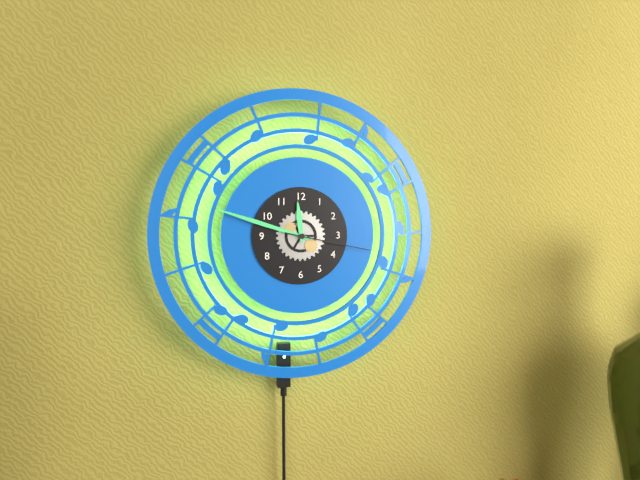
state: 11:48:17
